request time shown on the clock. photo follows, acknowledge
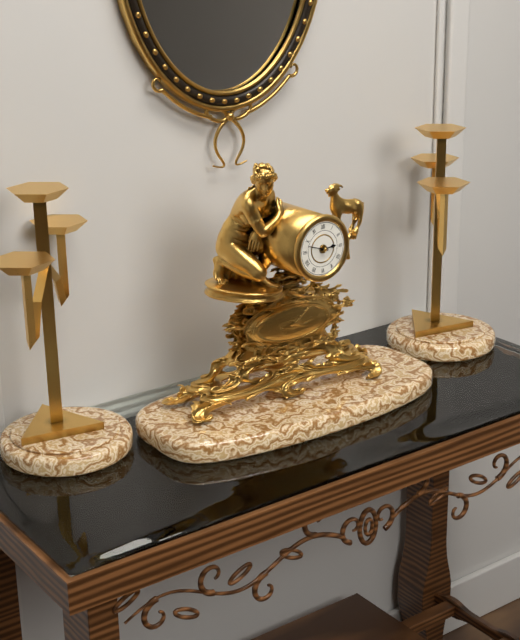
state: 2:48
